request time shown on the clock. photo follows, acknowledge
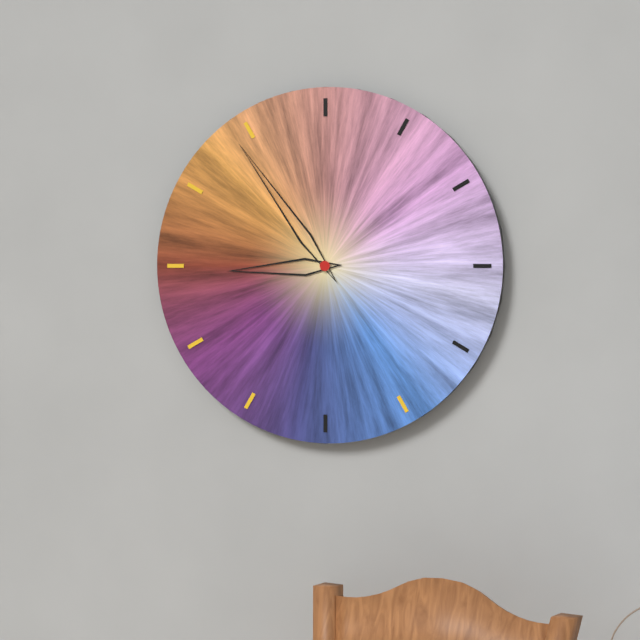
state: 8:54
